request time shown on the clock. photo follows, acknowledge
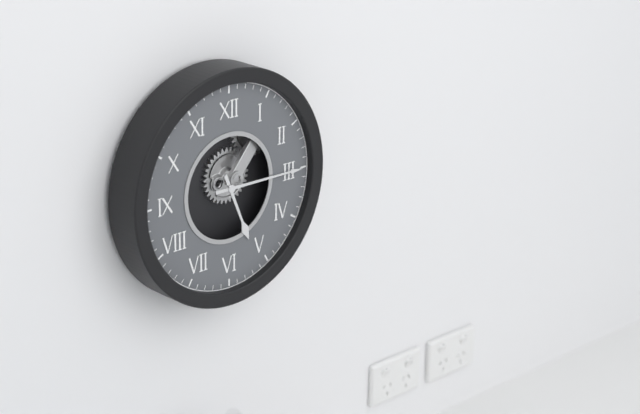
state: 5:15
